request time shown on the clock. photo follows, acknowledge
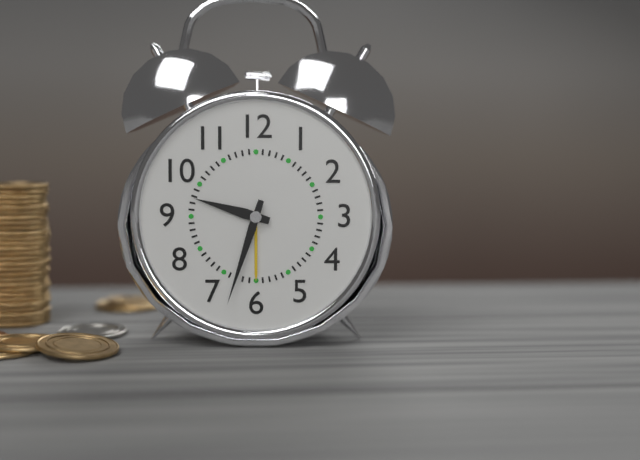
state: 9:33
